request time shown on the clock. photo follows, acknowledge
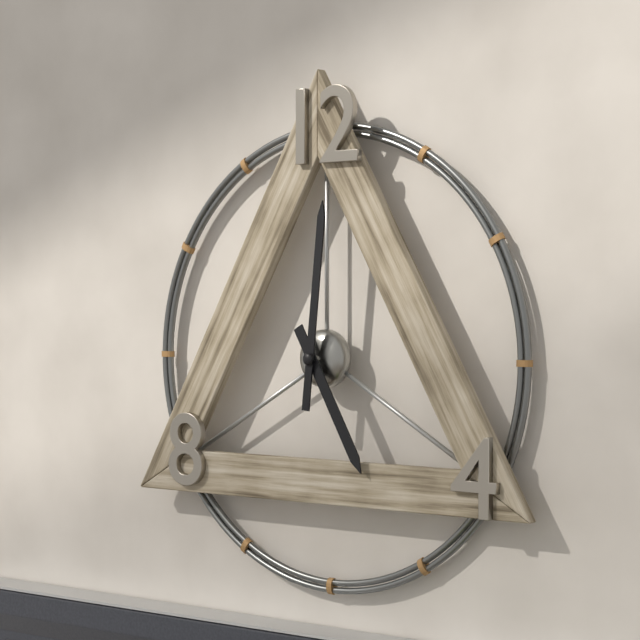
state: 5:01
